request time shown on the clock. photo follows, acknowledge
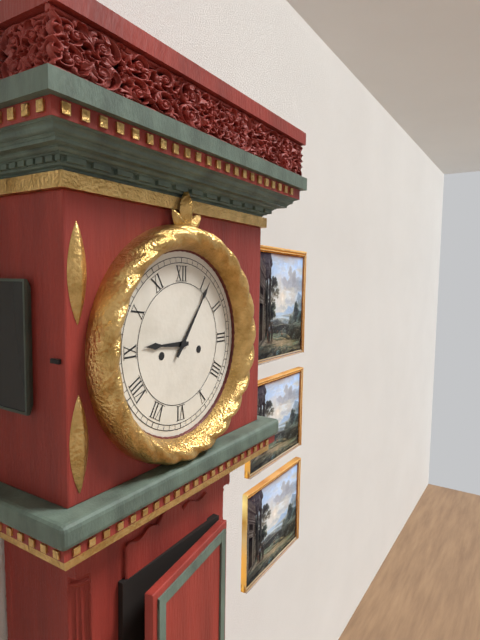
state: 9:06
